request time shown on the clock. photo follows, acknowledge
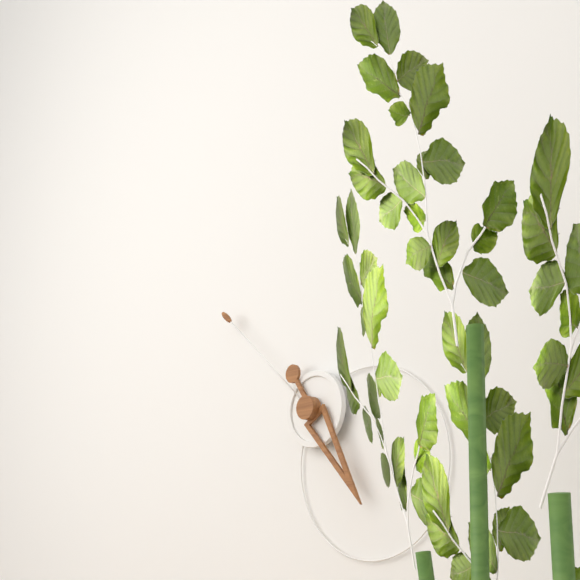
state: 4:52
